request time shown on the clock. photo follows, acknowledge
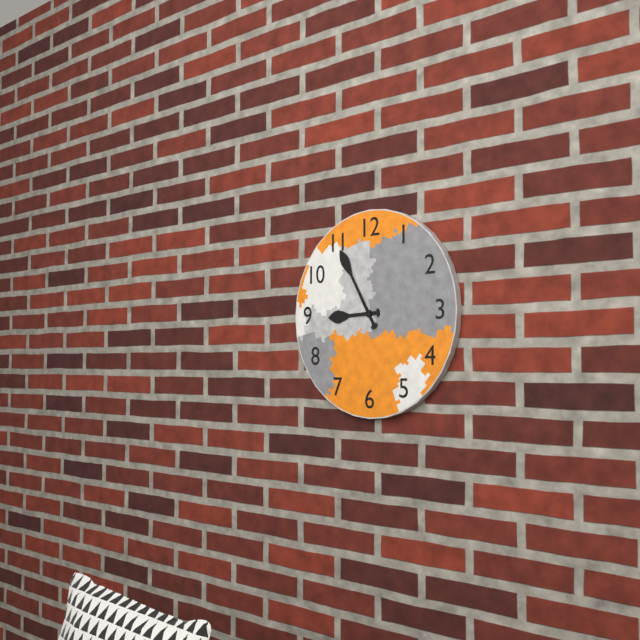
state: 8:55
